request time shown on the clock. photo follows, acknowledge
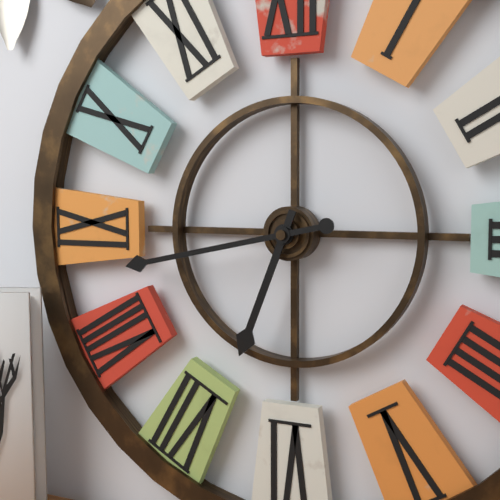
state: 6:43
